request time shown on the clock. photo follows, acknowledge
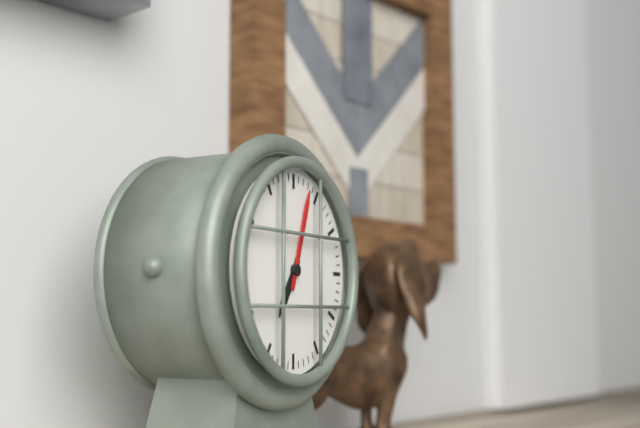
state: 7:03
